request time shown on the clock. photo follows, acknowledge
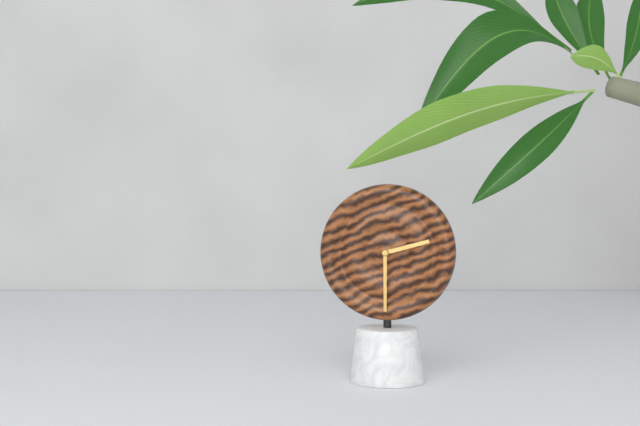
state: 2:30
